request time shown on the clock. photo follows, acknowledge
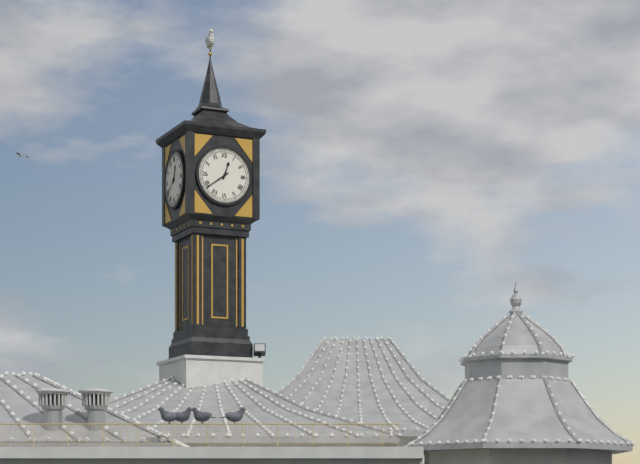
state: 12:39
